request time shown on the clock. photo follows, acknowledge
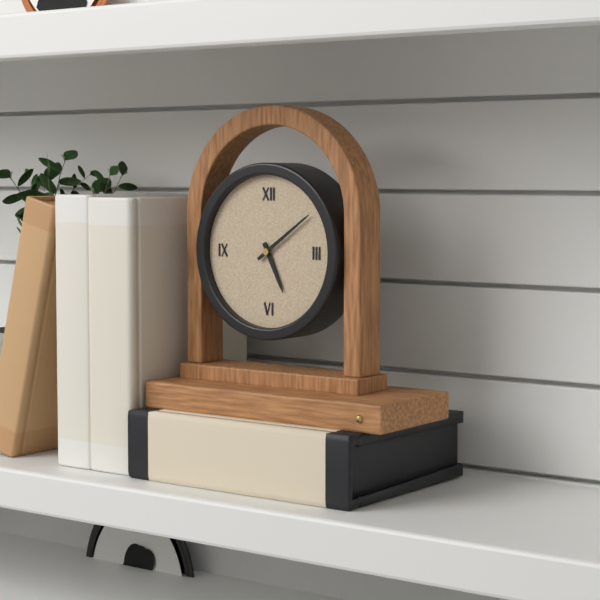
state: 5:09
